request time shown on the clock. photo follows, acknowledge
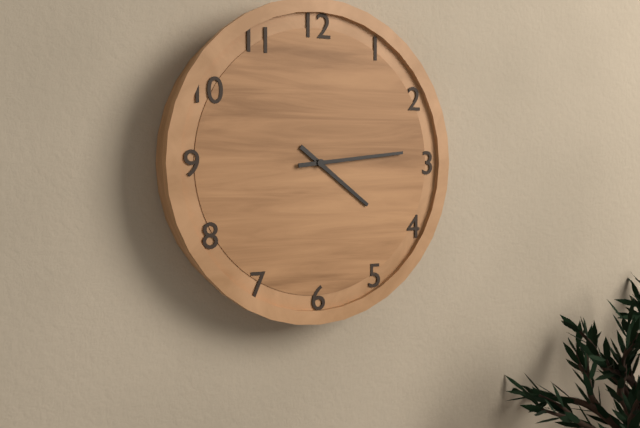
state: 4:14
